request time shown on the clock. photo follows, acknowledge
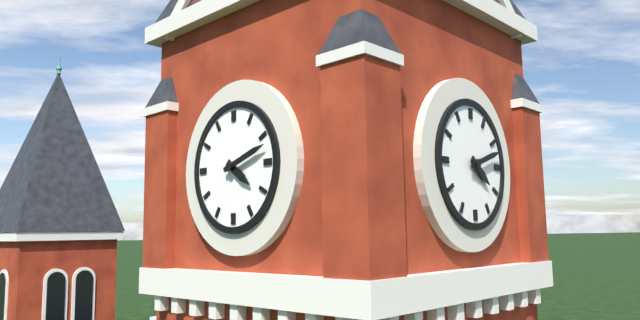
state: 4:12
